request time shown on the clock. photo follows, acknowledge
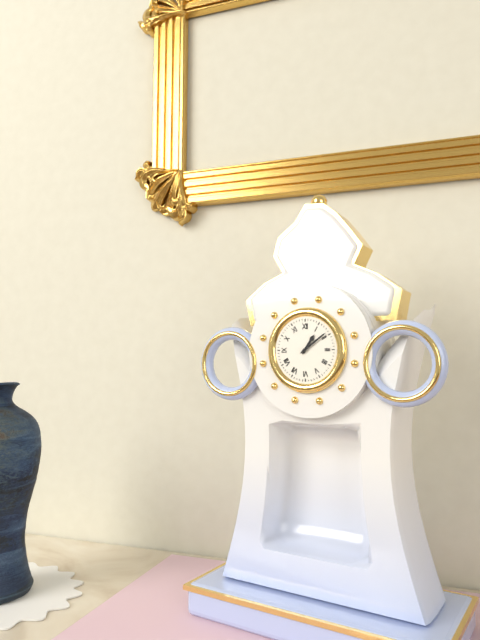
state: 1:09
